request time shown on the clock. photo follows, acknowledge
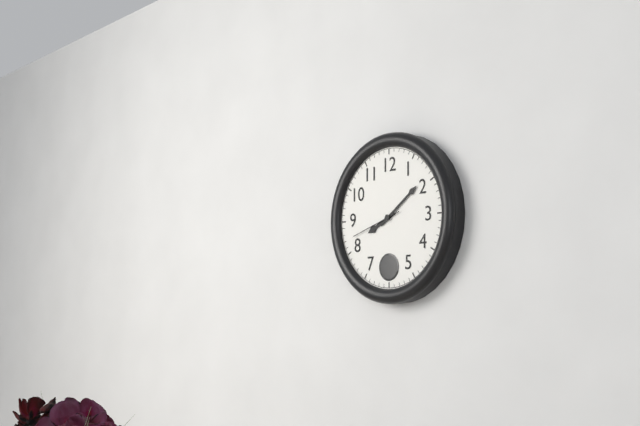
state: 8:09
